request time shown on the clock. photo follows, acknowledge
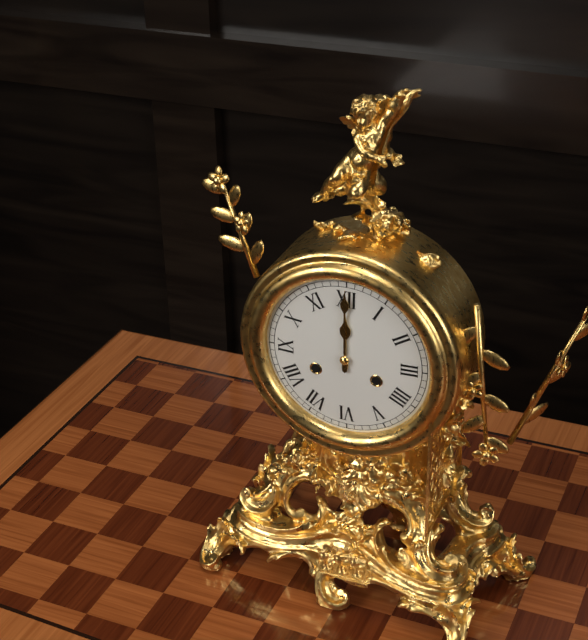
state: 12:00
